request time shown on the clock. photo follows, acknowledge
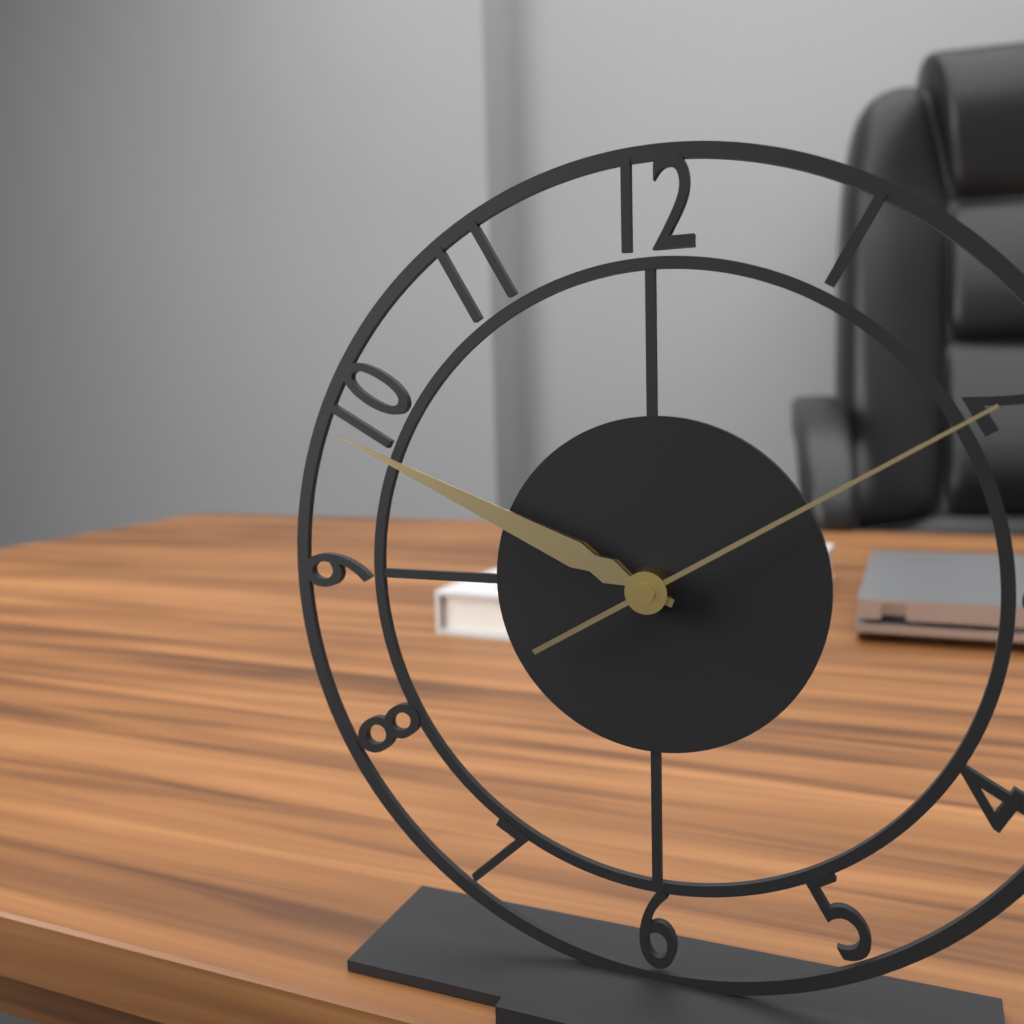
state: 9:49:10
